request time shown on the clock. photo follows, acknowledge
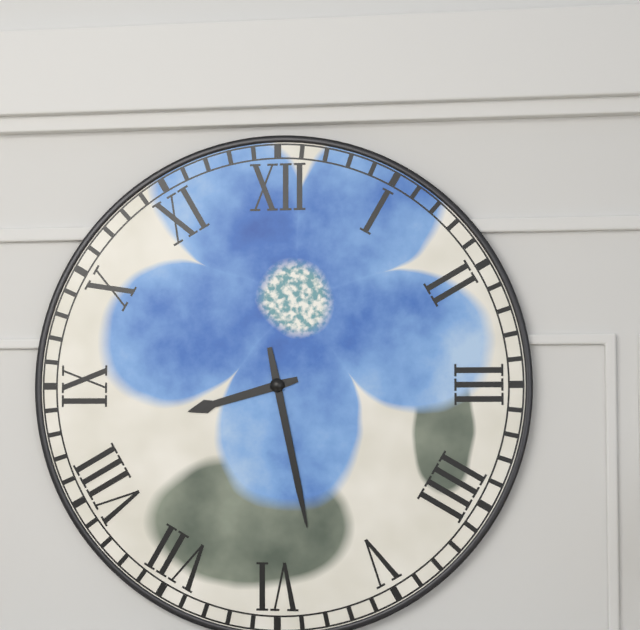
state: 8:28
